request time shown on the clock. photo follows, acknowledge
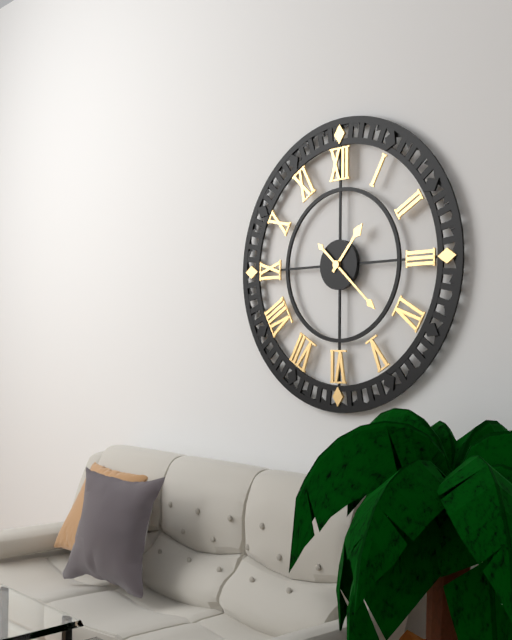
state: 1:22
